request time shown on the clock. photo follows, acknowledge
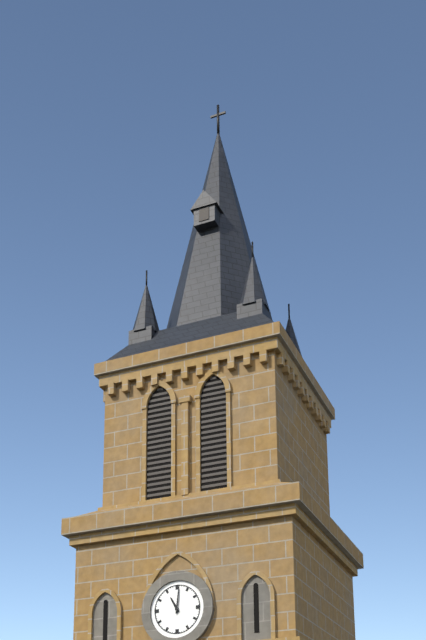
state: 11:01
